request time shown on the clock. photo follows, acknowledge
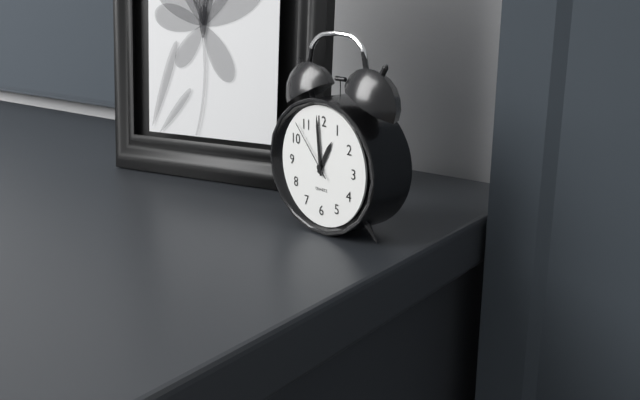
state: 12:59:53
